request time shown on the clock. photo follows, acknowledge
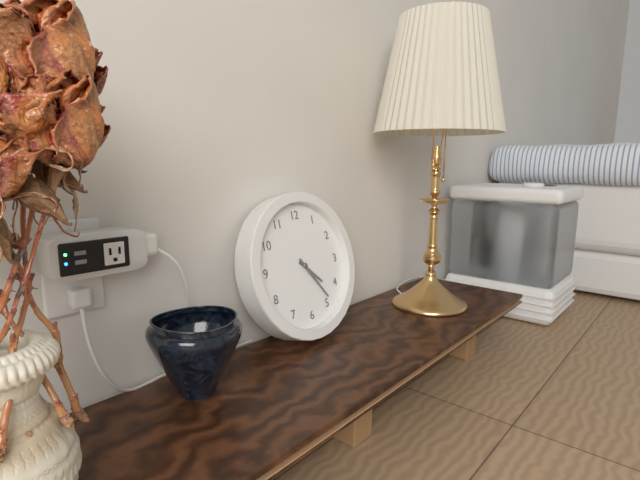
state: 4:24
